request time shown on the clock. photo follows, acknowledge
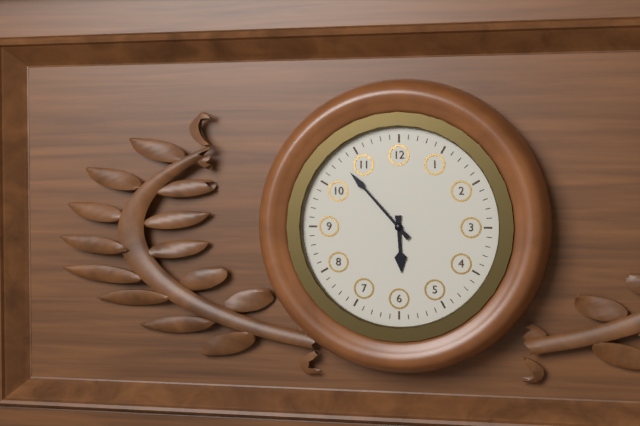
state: 5:53
